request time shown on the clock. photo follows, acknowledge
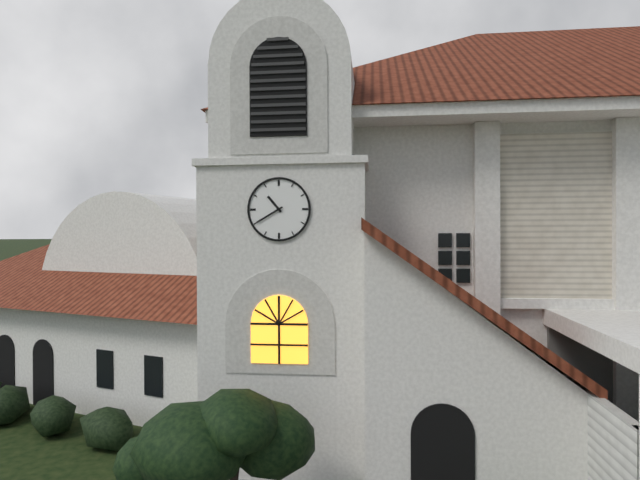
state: 10:40
